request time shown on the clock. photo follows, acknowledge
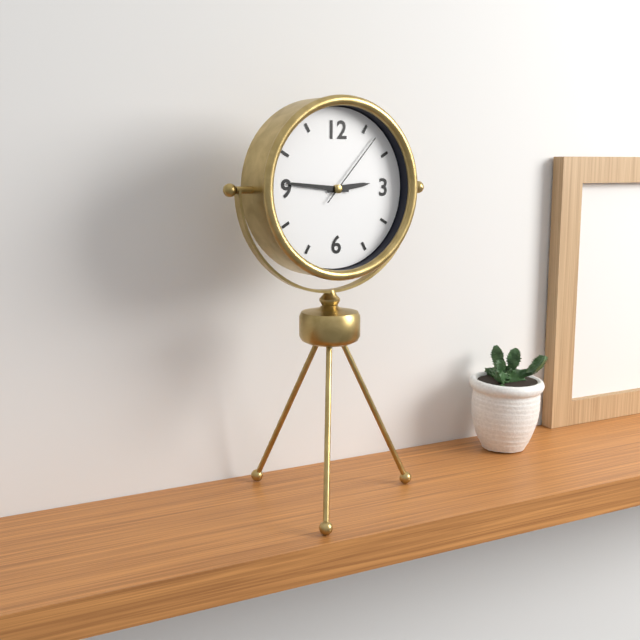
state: 2:46:07
